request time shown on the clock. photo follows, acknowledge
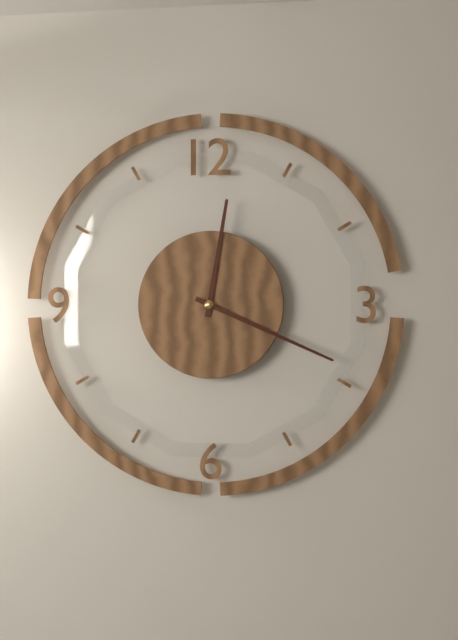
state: 12:19
